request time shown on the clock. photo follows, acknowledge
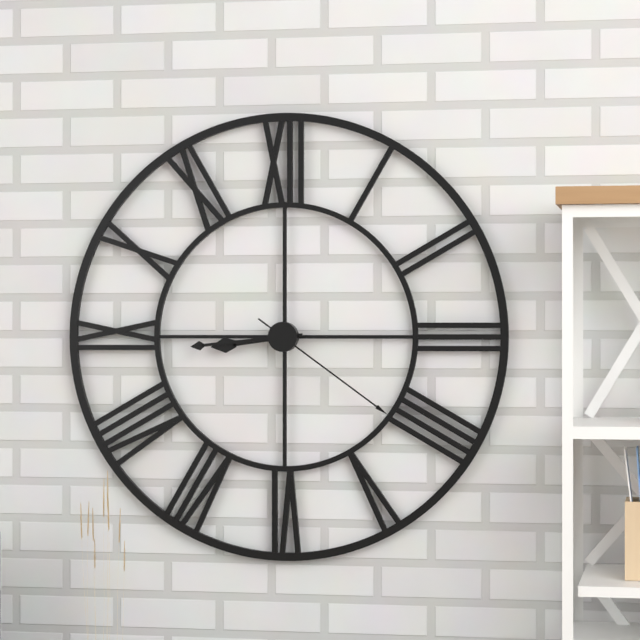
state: 8:44:21
